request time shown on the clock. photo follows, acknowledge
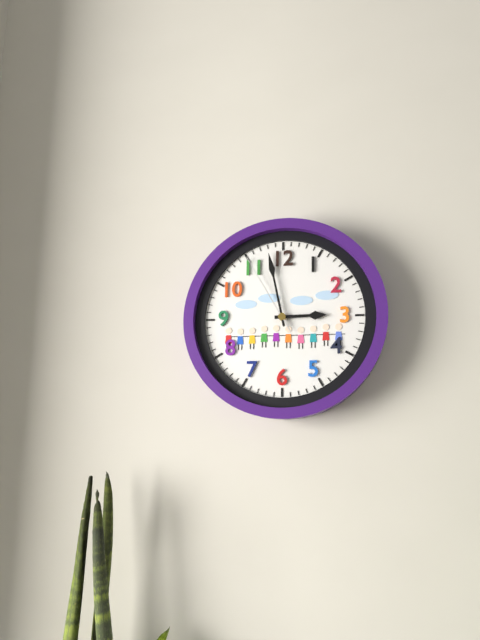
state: 2:58:55
